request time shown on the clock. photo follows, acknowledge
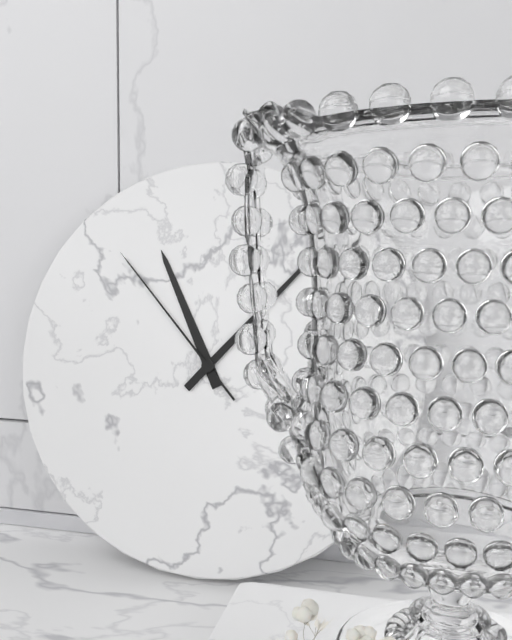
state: 11:07:53
